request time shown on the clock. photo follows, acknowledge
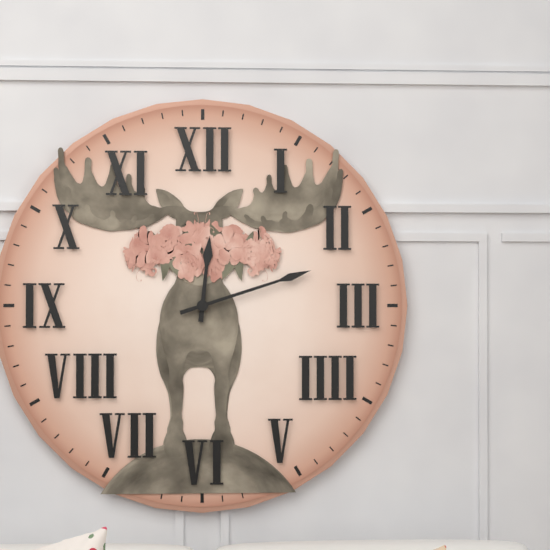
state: 12:12
